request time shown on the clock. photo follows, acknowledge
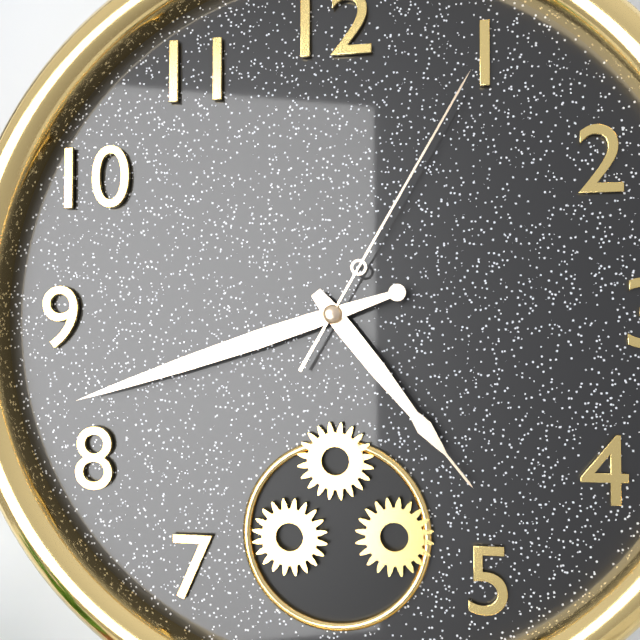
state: 4:42:05
